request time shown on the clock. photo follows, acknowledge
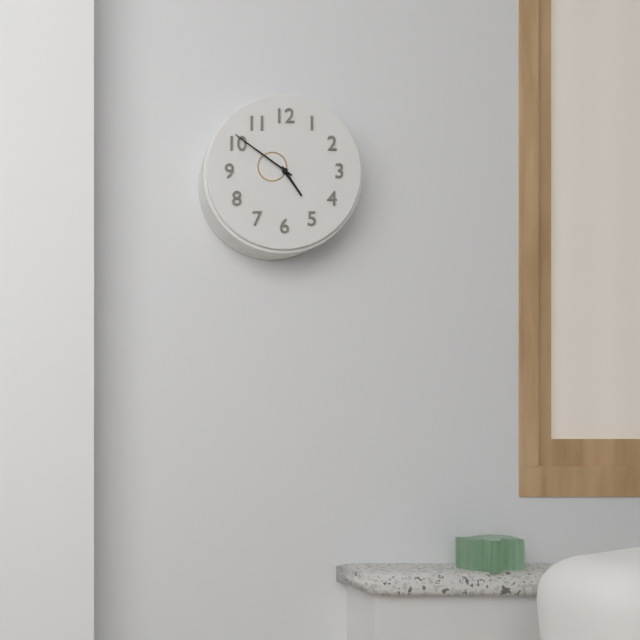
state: 4:51
